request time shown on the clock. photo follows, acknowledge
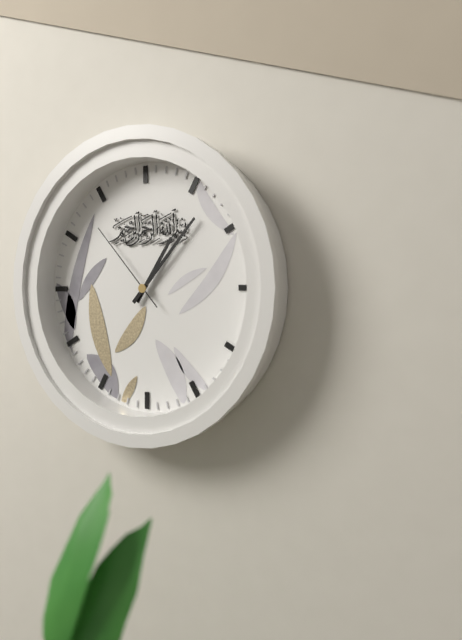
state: 1:07:53
